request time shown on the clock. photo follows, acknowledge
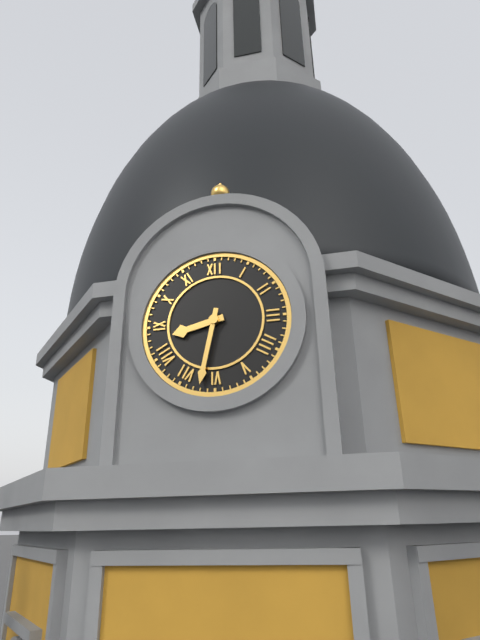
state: 8:32
